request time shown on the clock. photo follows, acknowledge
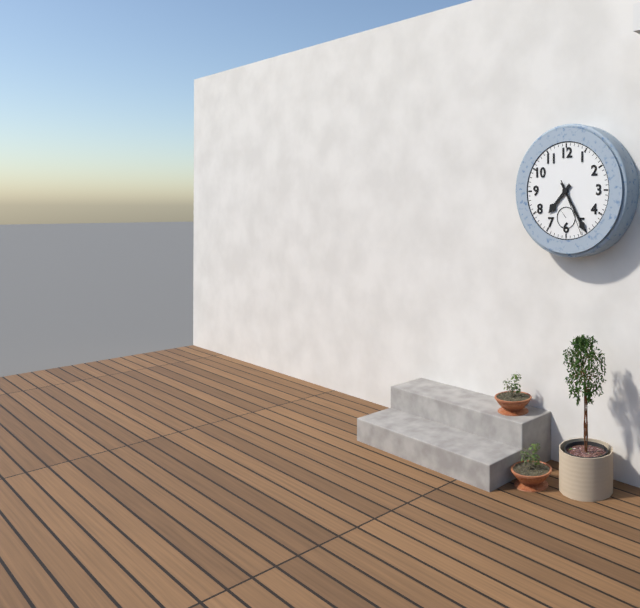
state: 7:25:26
